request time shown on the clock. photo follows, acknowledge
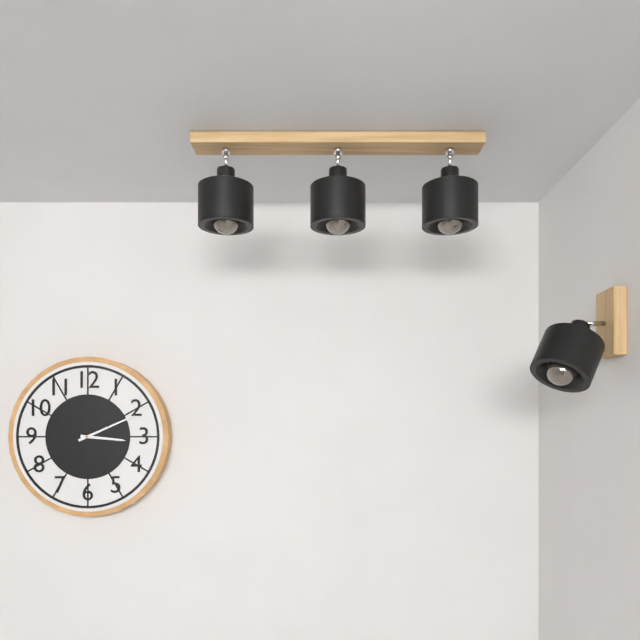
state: 3:11
